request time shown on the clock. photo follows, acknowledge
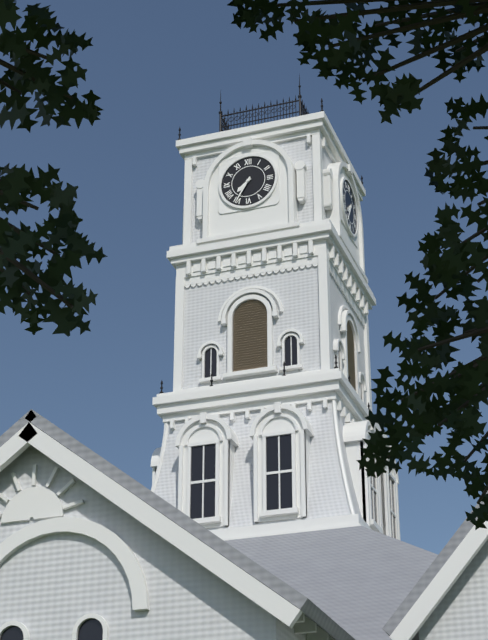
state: 7:35
